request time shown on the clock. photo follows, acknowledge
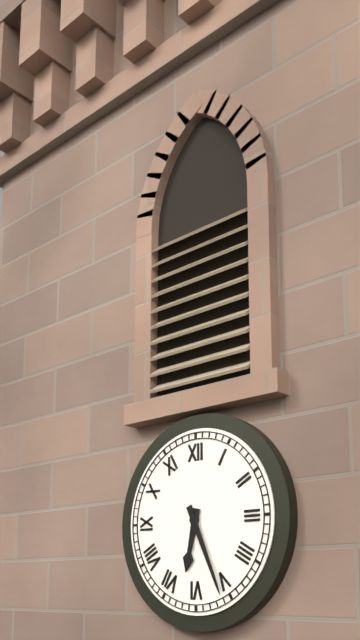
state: 6:26
